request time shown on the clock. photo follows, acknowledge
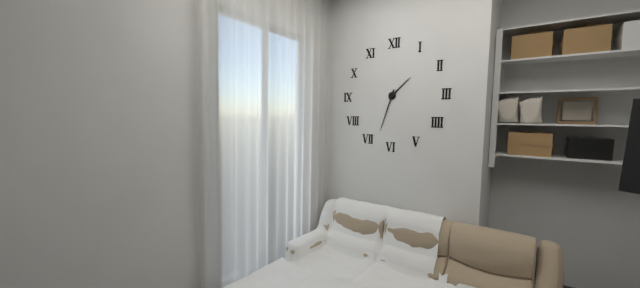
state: 1:33
